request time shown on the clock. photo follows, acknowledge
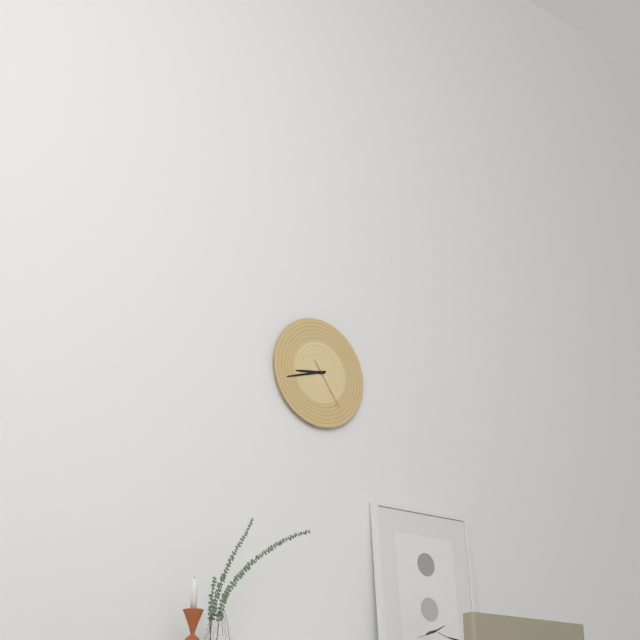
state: 8:42:24
